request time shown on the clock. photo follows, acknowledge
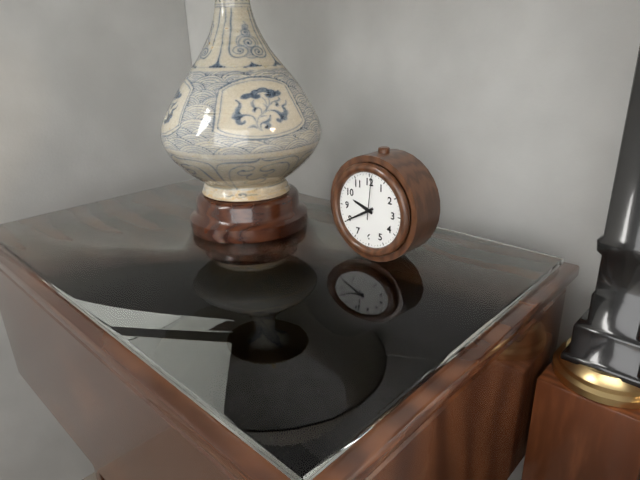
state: 9:40
